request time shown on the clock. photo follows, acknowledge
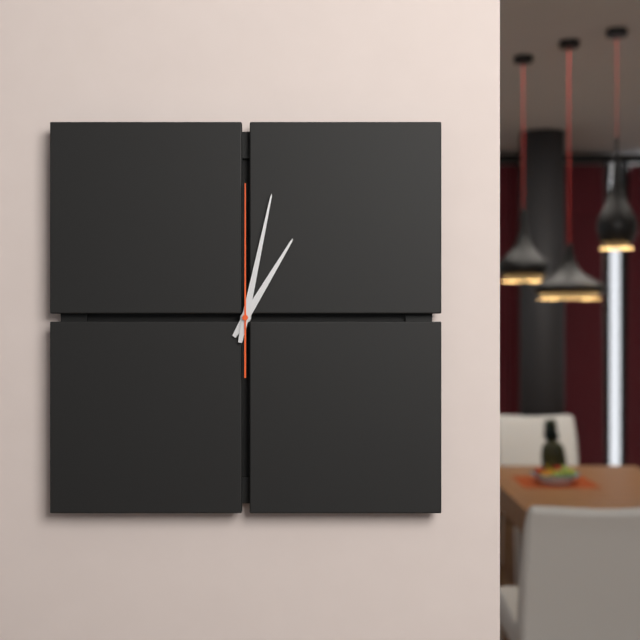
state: 1:02:00
